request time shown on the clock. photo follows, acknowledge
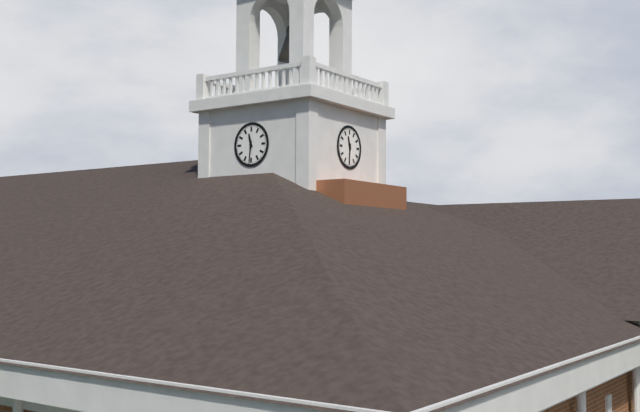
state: 11:31
